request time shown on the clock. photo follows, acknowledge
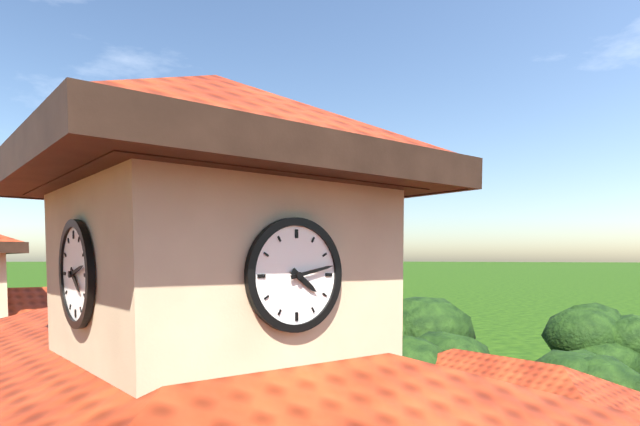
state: 4:13
